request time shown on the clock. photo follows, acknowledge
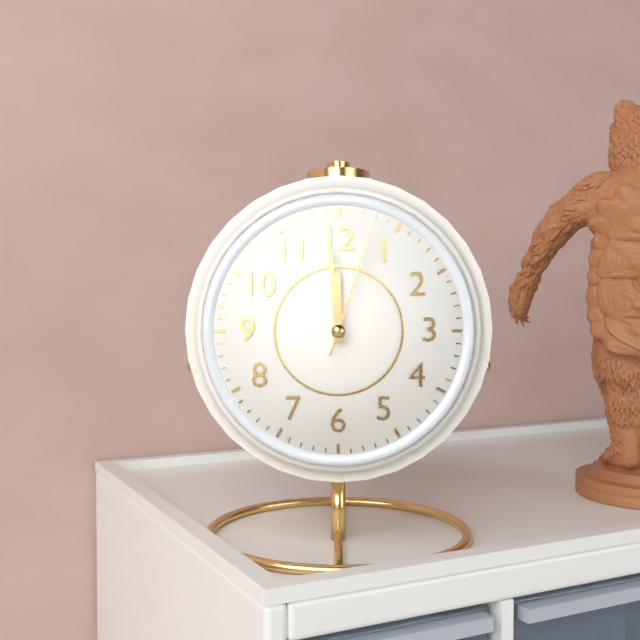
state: 11:59:03
